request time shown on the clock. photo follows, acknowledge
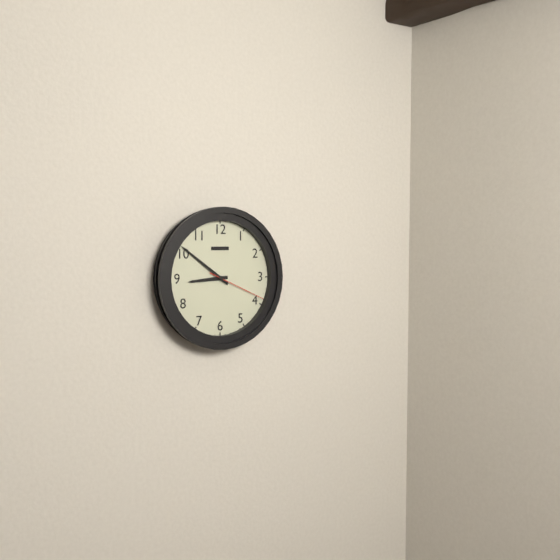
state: 8:51:19
